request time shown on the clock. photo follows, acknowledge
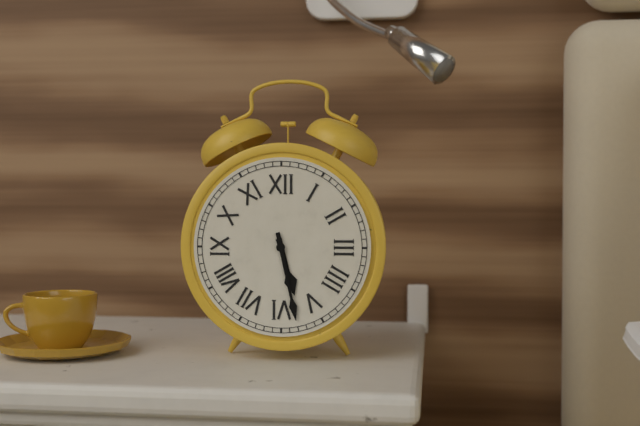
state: 5:28
